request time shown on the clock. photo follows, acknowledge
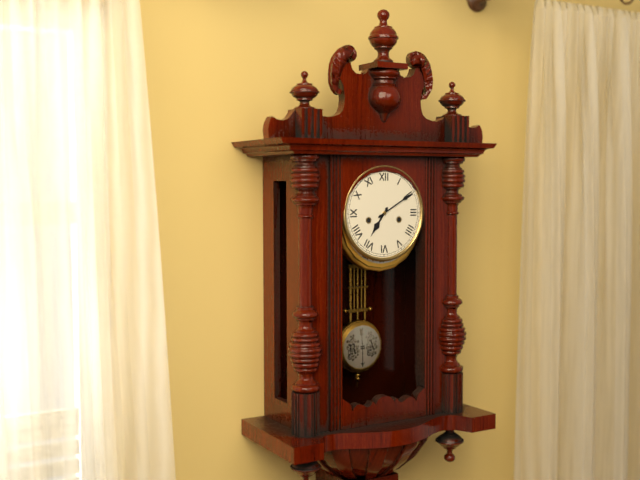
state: 7:10
